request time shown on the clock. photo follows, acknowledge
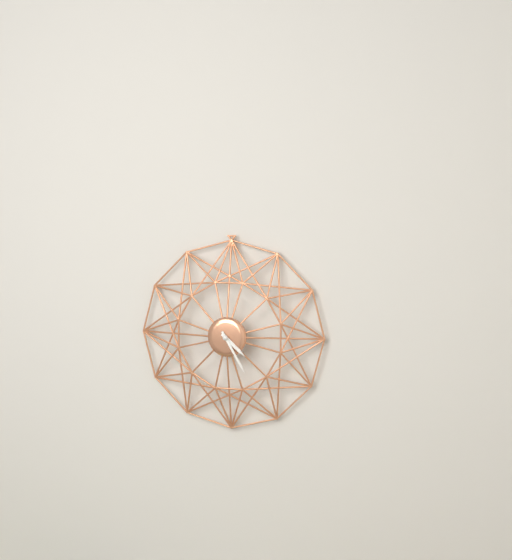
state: 4:25
